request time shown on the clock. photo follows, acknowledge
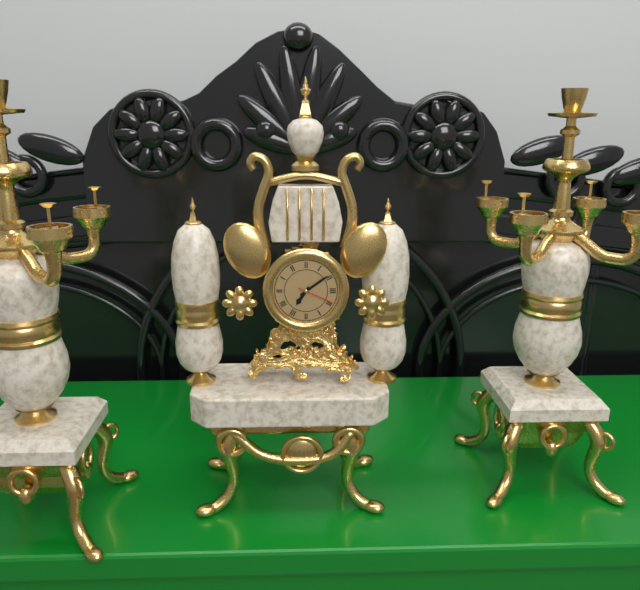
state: 7:09
